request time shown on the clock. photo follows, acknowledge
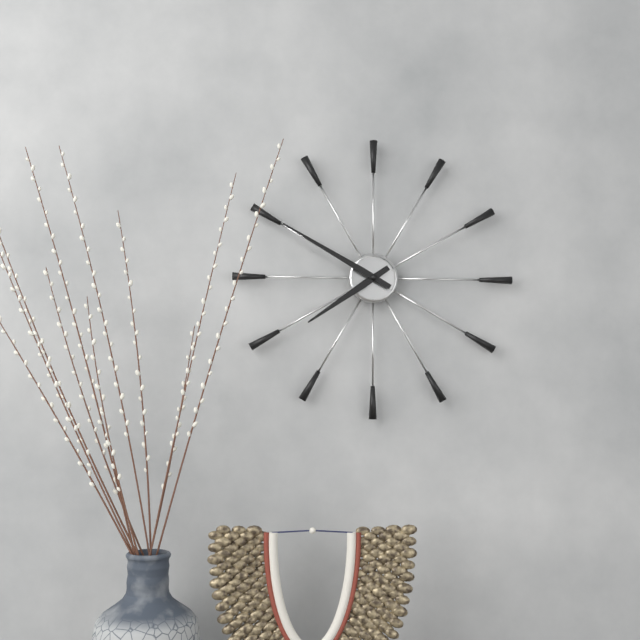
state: 7:50
